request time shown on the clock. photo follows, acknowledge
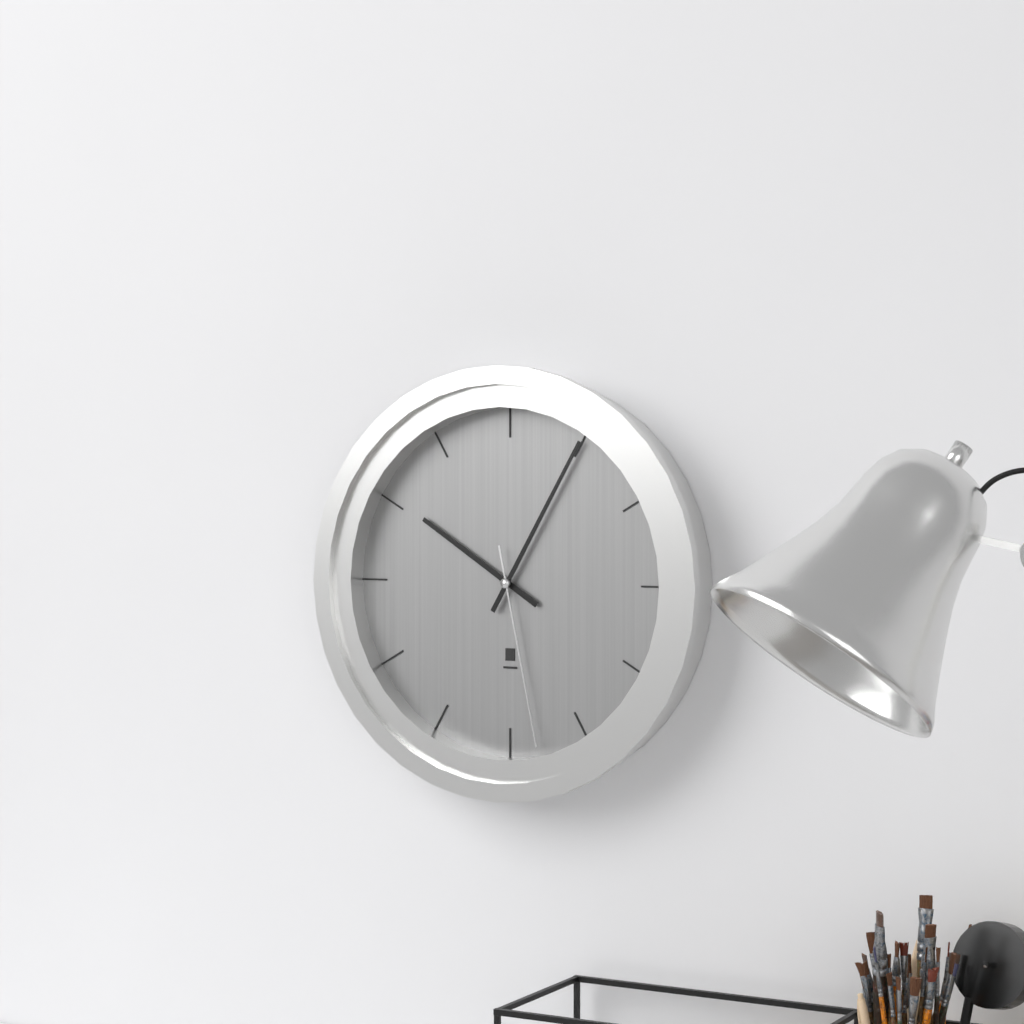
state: 10:05:28
